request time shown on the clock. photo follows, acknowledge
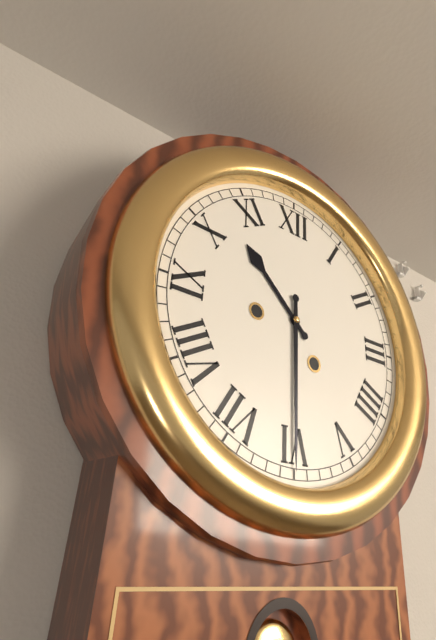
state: 10:30
